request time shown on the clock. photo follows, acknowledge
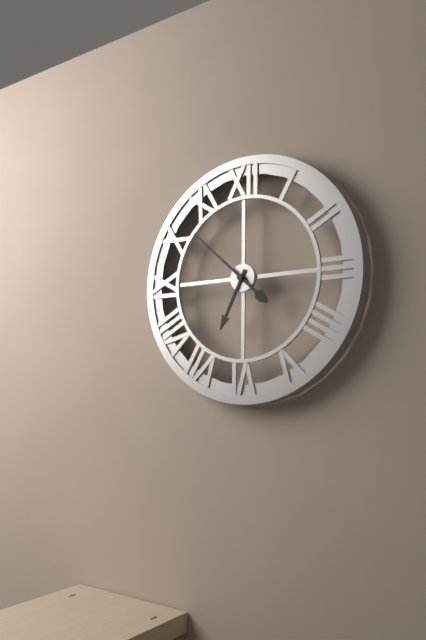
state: 6:52
